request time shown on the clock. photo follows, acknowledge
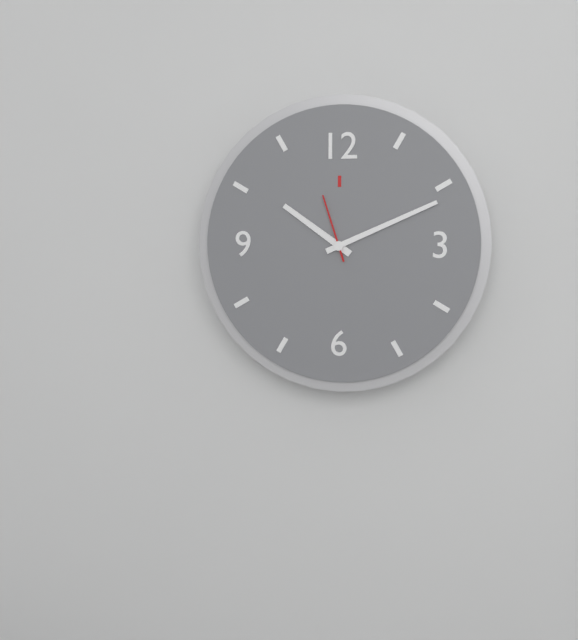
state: 10:11:57
